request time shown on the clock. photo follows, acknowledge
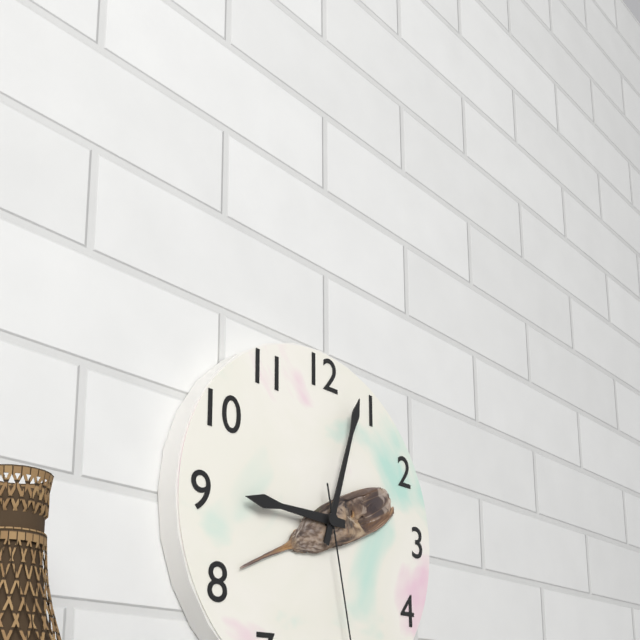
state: 9:03
